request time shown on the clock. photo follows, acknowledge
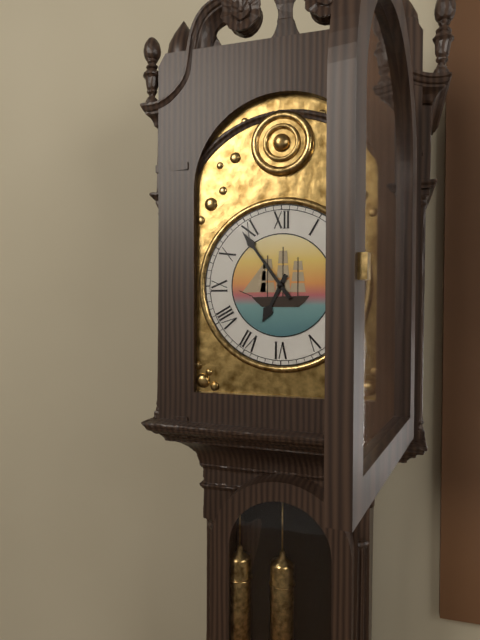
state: 6:54
